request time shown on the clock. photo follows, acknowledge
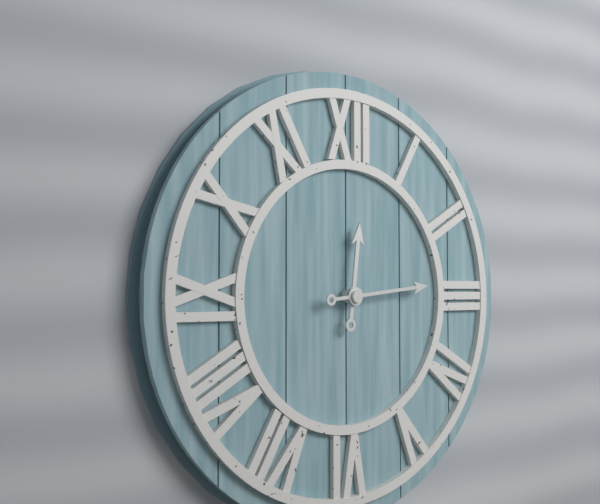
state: 12:14
